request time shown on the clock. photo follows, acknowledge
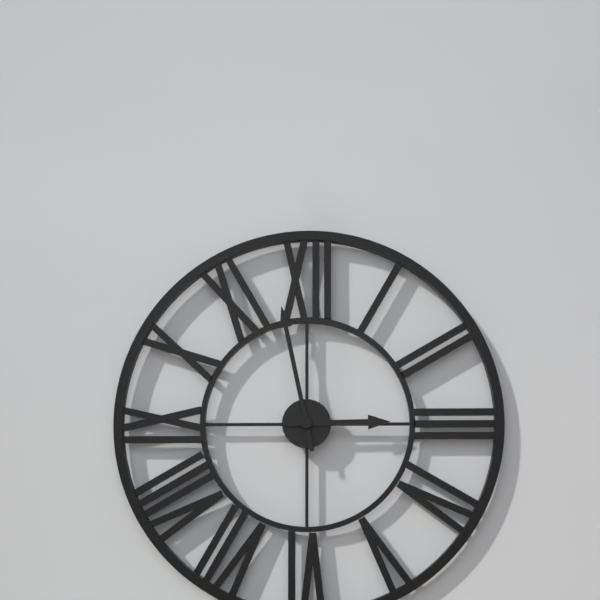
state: 2:58
